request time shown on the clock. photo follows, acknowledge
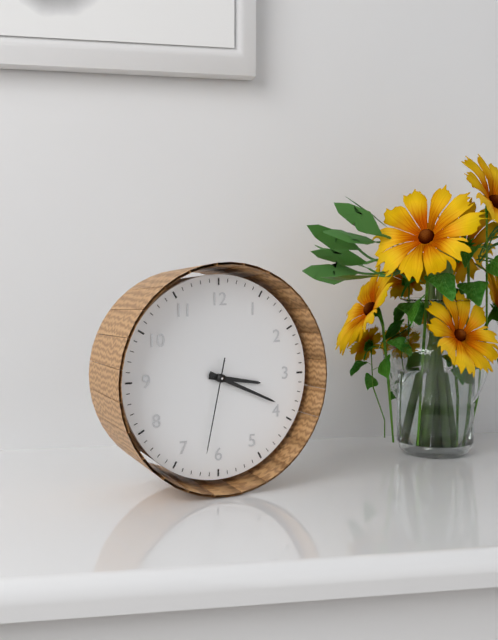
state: 3:19:32
